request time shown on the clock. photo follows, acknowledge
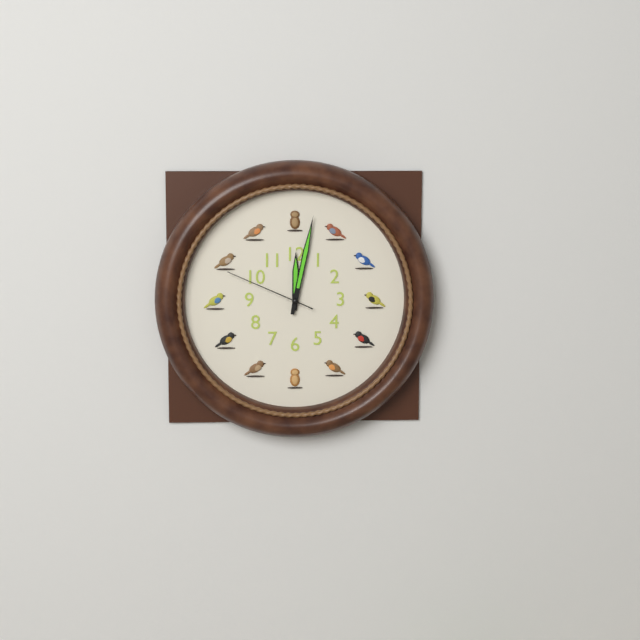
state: 12:02:49
